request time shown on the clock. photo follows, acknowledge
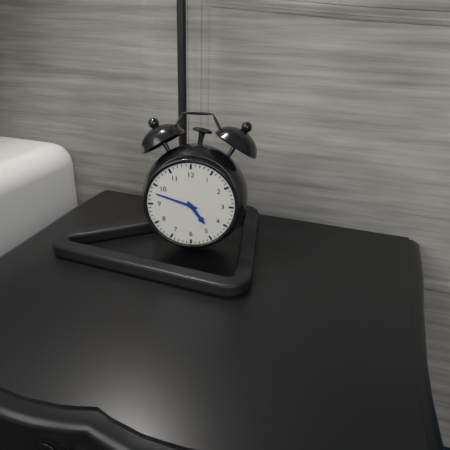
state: 4:48
